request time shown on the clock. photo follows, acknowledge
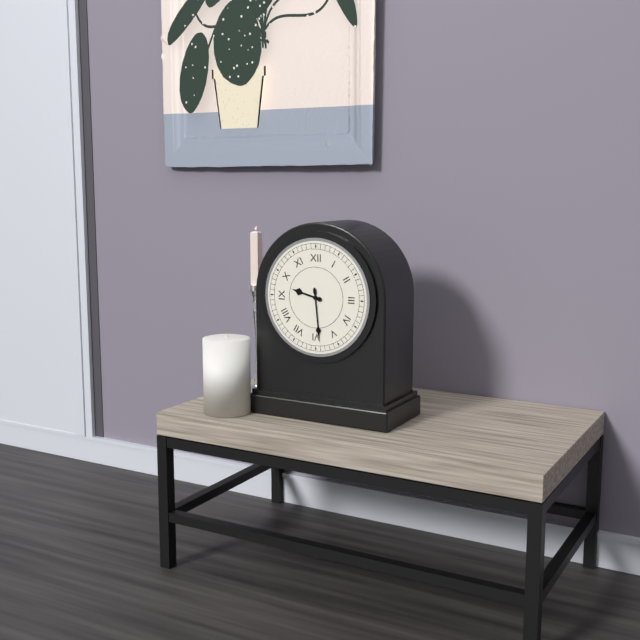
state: 9:29
